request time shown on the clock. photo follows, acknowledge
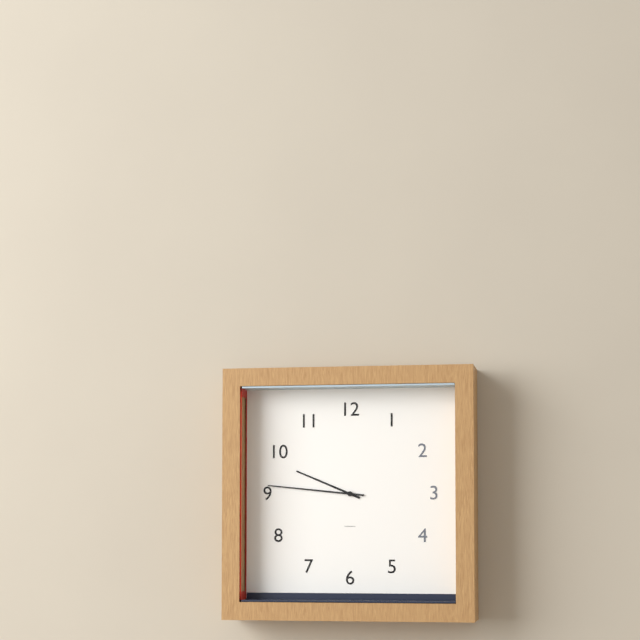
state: 9:46
